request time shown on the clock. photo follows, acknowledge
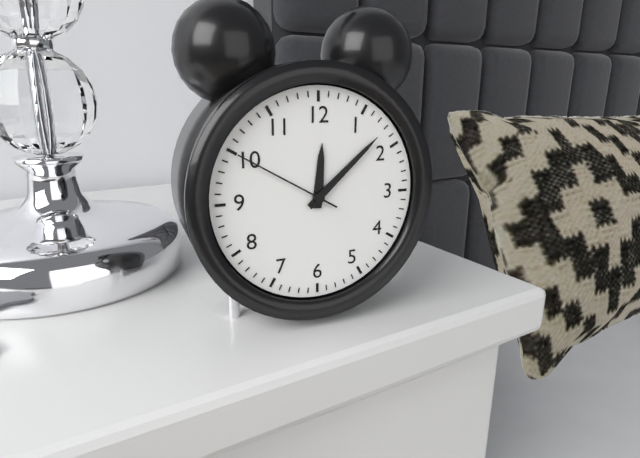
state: 12:08:50
